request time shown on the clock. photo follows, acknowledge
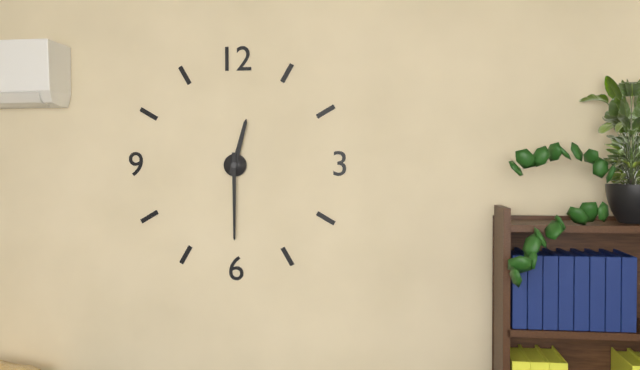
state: 12:30
